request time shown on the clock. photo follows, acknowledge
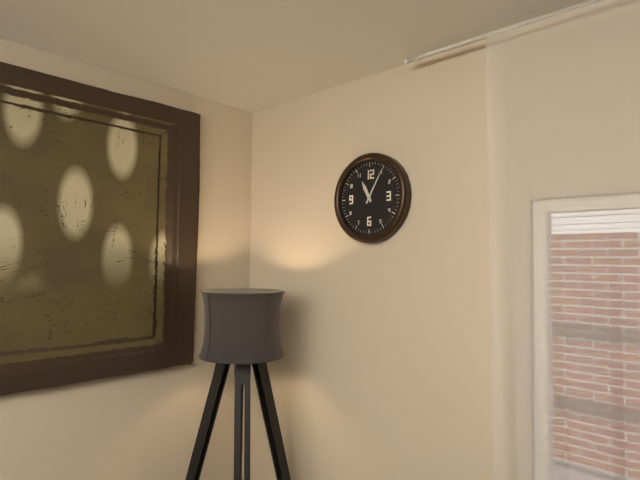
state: 11:05
